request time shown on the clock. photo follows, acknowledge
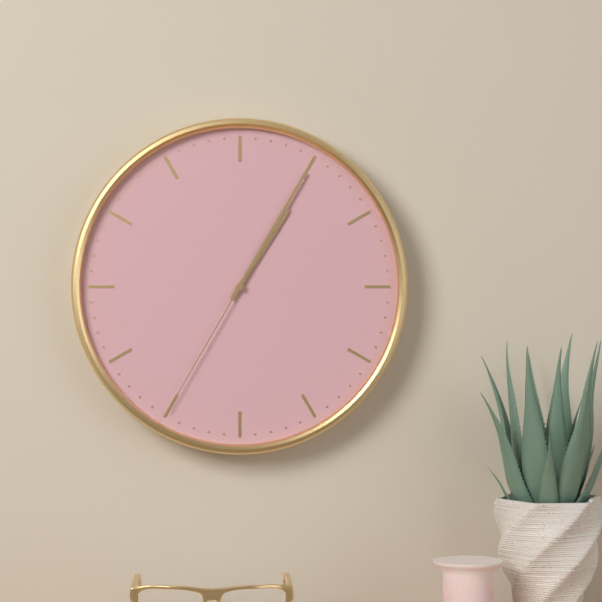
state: 1:05:35
